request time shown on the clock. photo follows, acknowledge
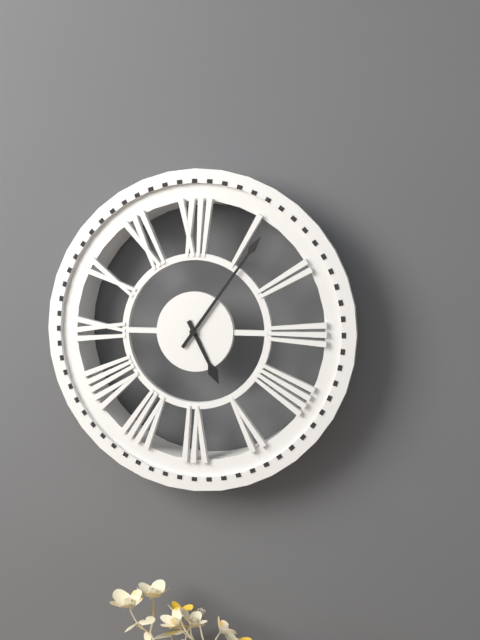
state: 5:06
